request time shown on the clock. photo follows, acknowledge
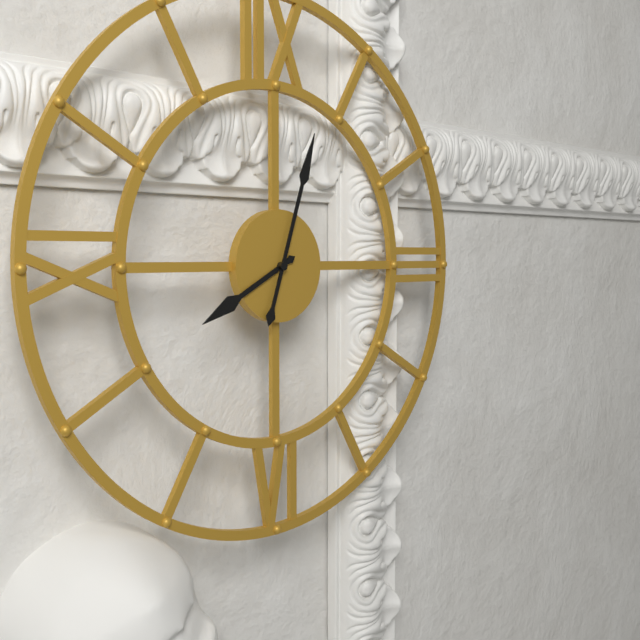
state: 8:03
